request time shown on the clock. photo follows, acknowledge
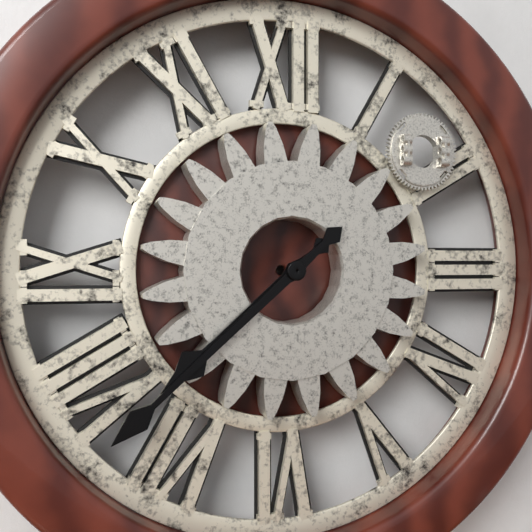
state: 7:38
